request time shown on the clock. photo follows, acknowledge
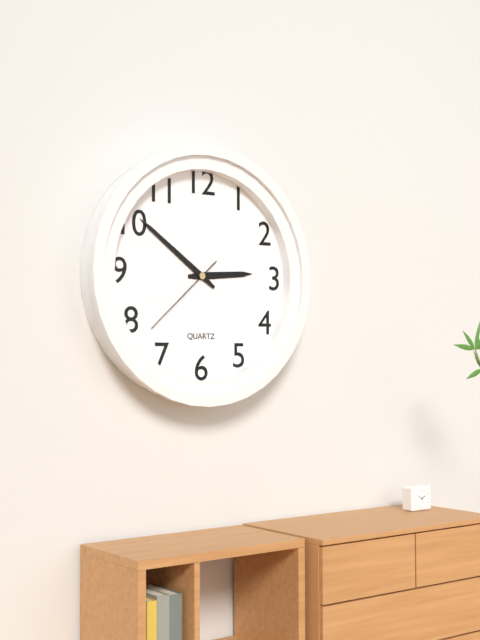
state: 2:51:38
